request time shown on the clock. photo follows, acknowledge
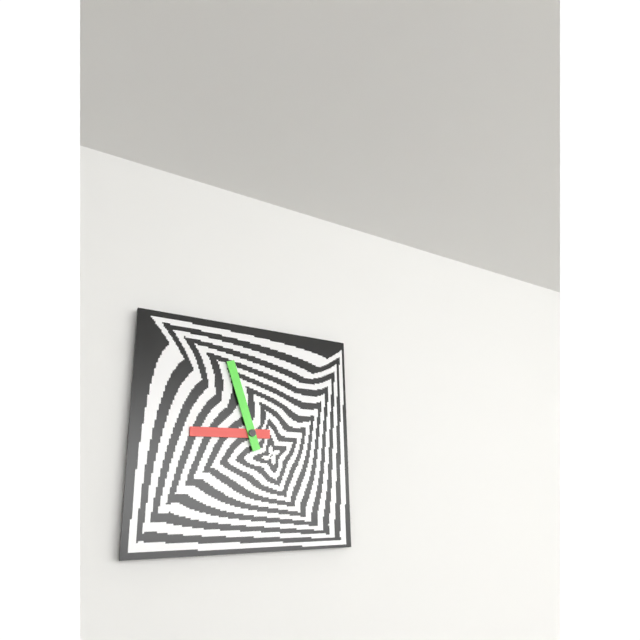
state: 8:57
